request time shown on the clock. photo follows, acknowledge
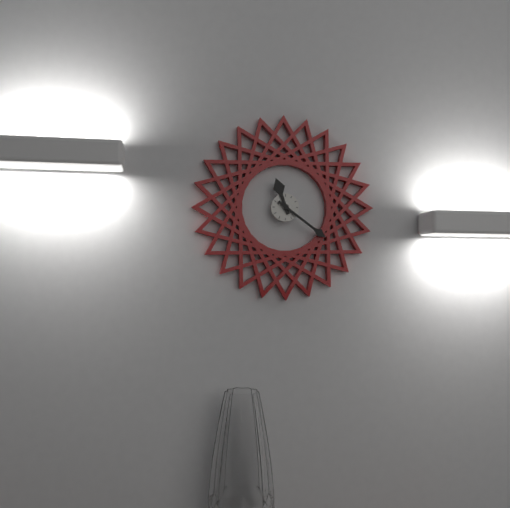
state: 11:21
